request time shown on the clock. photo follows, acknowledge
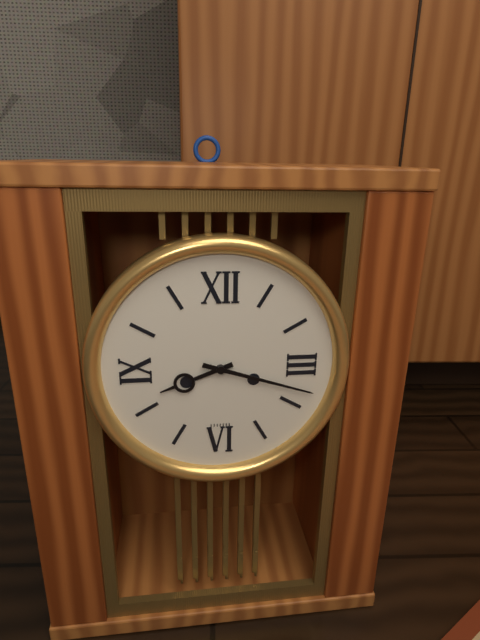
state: 8:18
